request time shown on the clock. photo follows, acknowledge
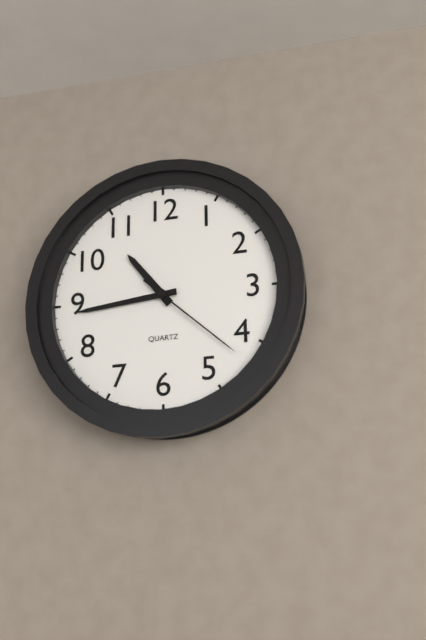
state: 10:44:22
